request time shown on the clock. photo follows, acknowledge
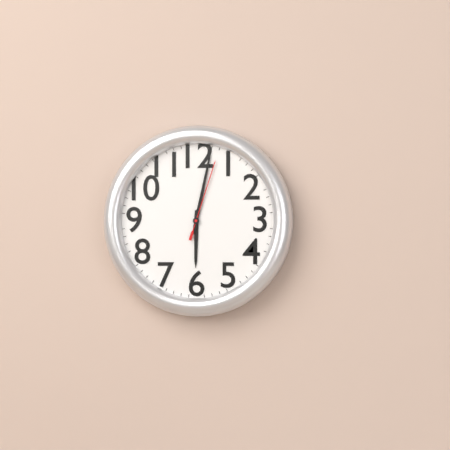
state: 6:02:03
